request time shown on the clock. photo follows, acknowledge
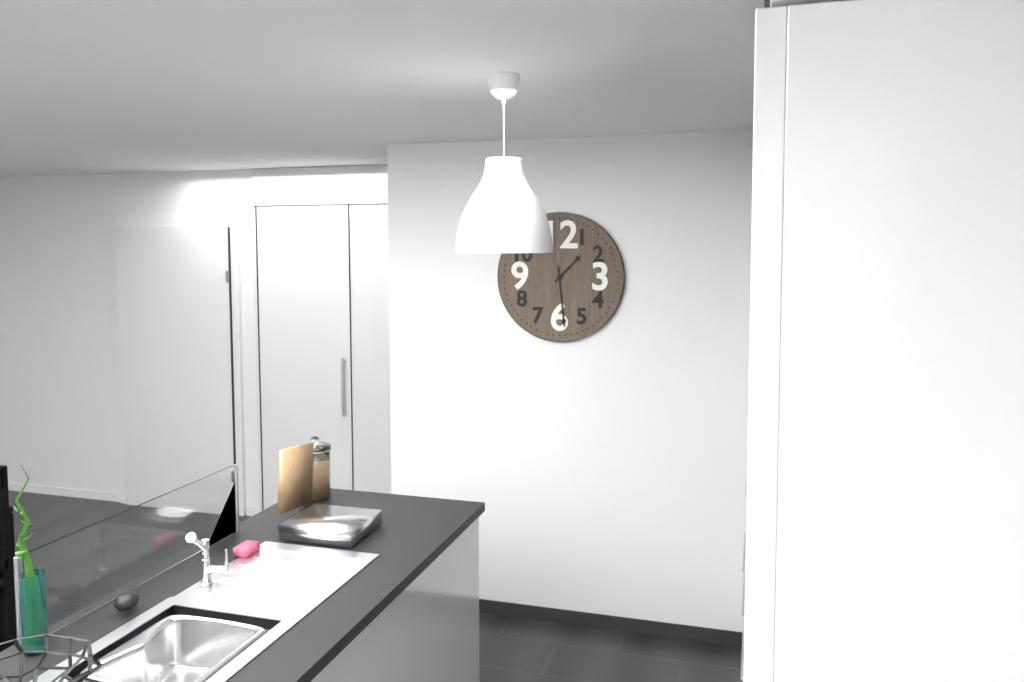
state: 1:29
